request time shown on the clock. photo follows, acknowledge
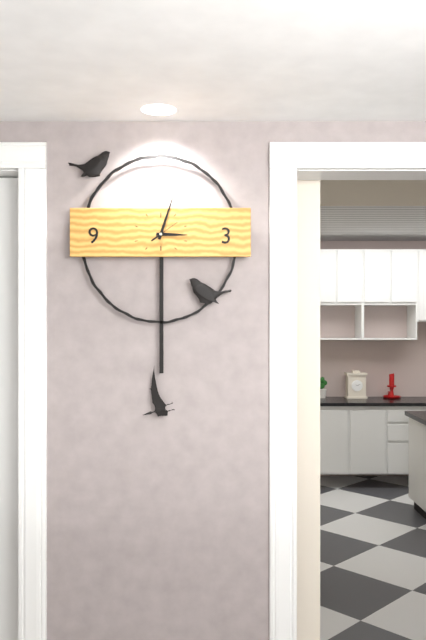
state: 3:03
